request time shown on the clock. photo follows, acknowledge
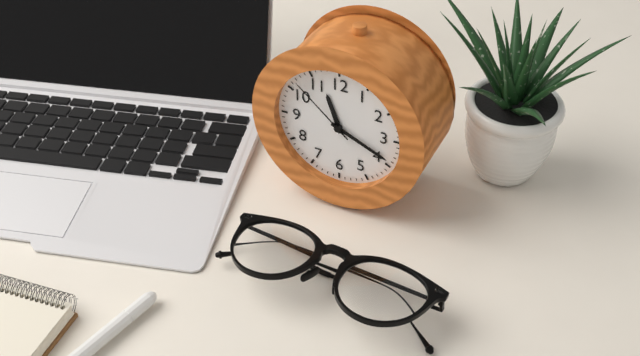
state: 11:19:52
